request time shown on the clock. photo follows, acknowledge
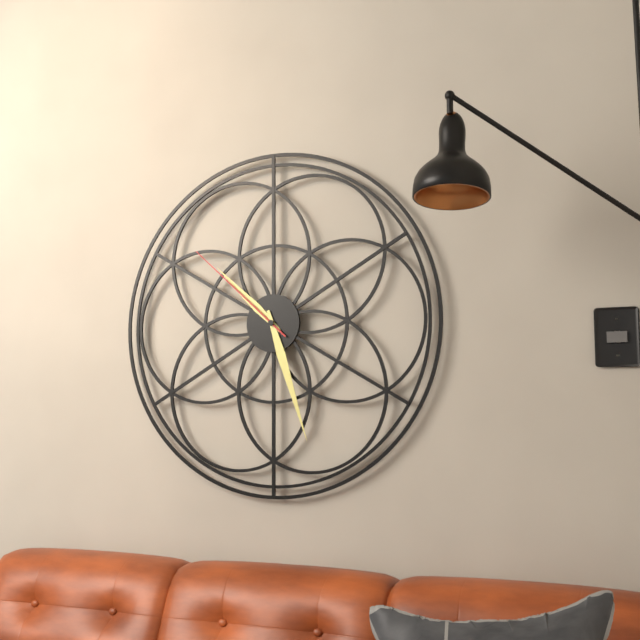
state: 10:27:52
